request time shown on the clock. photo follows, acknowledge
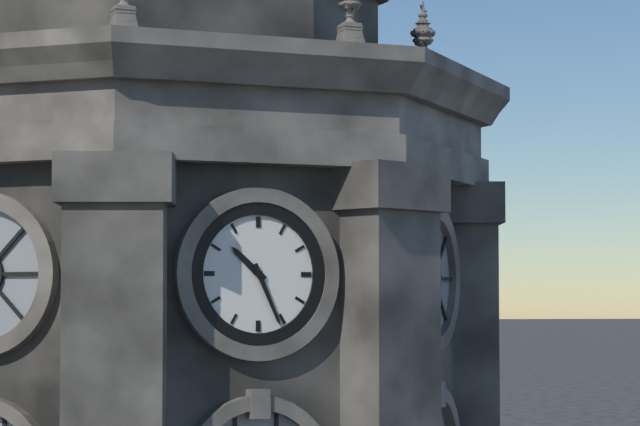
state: 10:26
